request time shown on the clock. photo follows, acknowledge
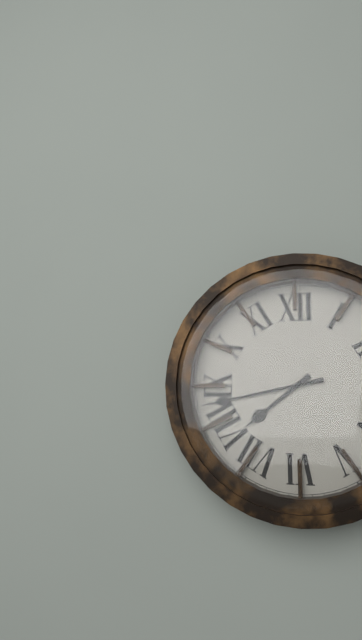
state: 7:43
